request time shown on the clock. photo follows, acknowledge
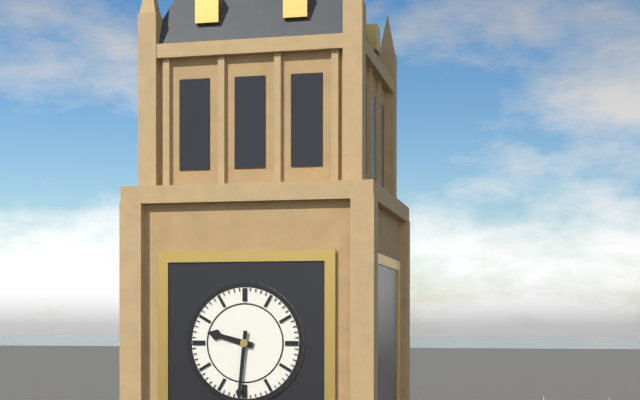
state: 9:31
